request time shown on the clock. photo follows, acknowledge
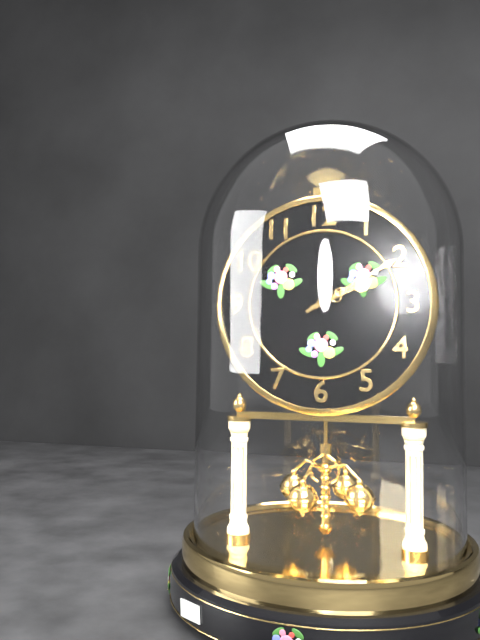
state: 2:10
